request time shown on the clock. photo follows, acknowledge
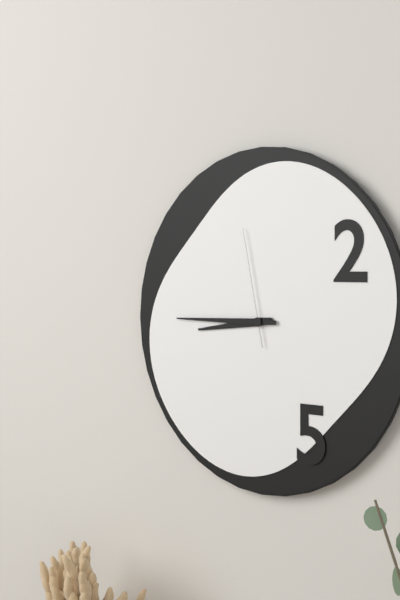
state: 8:45:58
